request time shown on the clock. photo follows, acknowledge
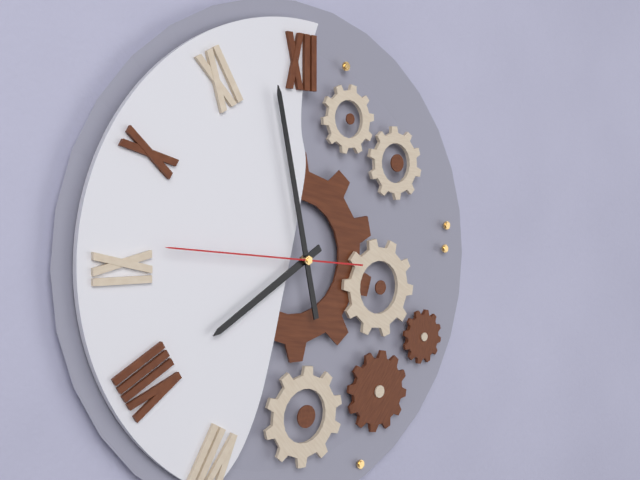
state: 7:58:46
